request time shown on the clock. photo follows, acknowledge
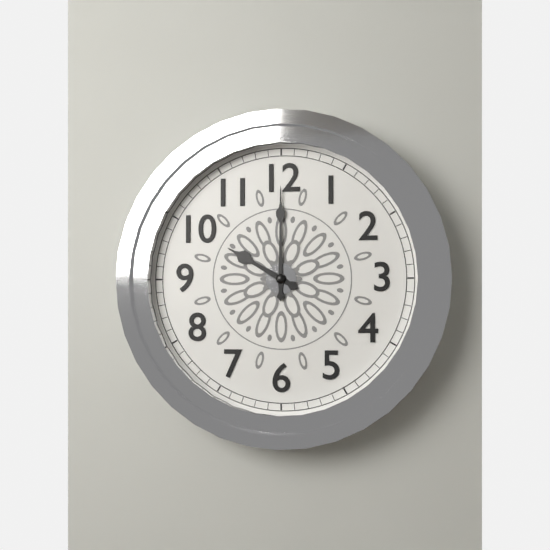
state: 10:00
